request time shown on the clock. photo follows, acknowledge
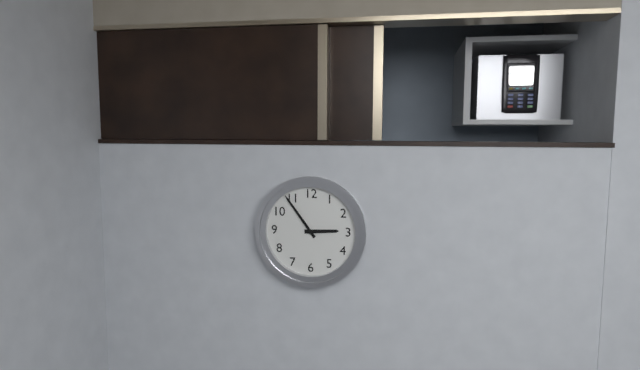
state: 2:54
